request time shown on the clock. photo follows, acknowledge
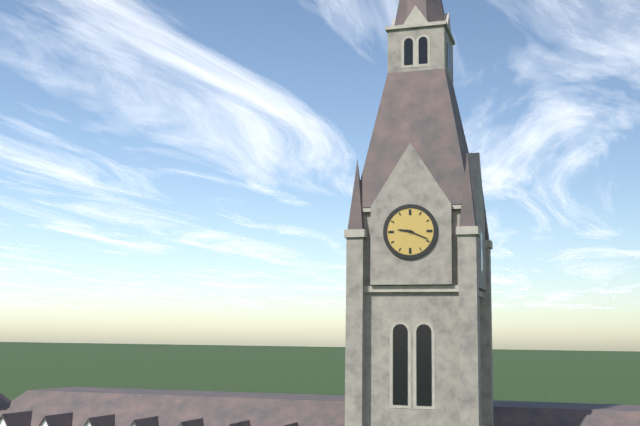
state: 9:19
